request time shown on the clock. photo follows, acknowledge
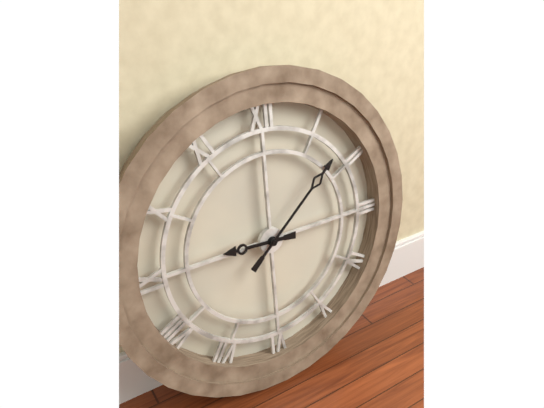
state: 9:08
